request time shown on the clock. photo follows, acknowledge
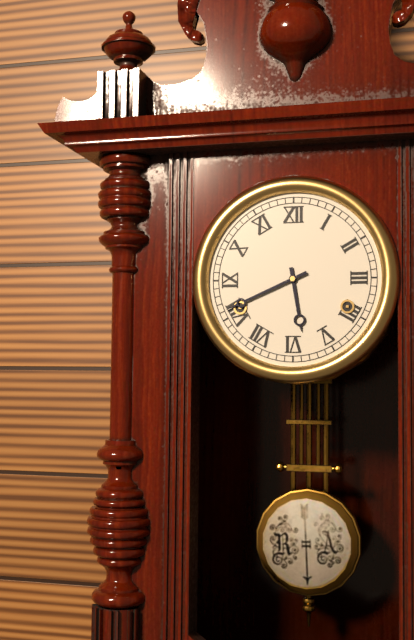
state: 5:41
